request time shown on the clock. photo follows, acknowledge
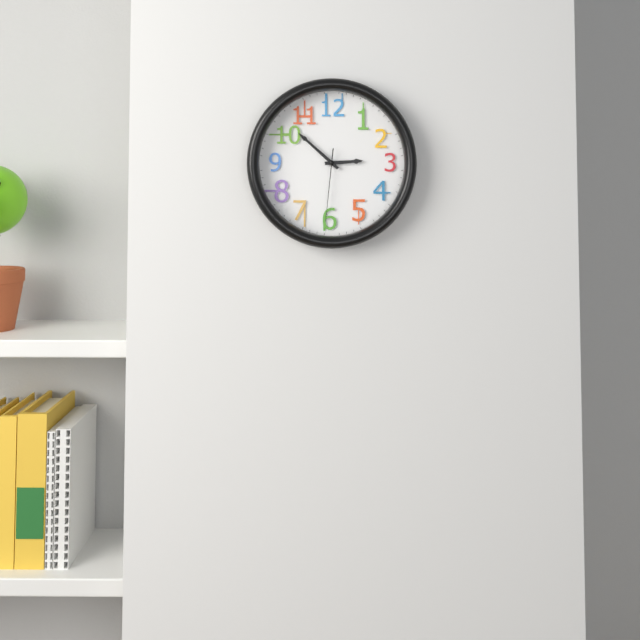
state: 2:52:31
